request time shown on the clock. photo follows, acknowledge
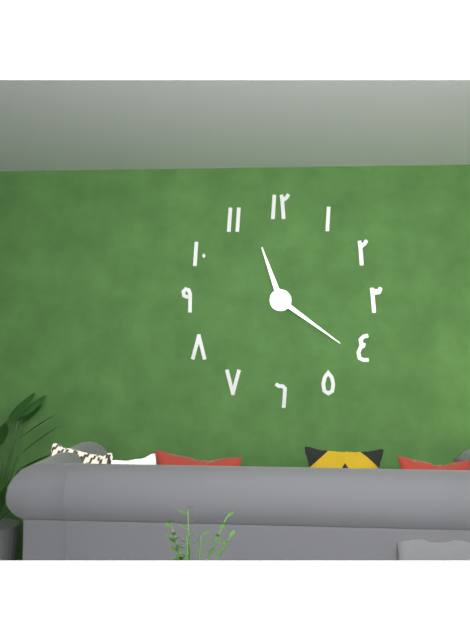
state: 11:21
